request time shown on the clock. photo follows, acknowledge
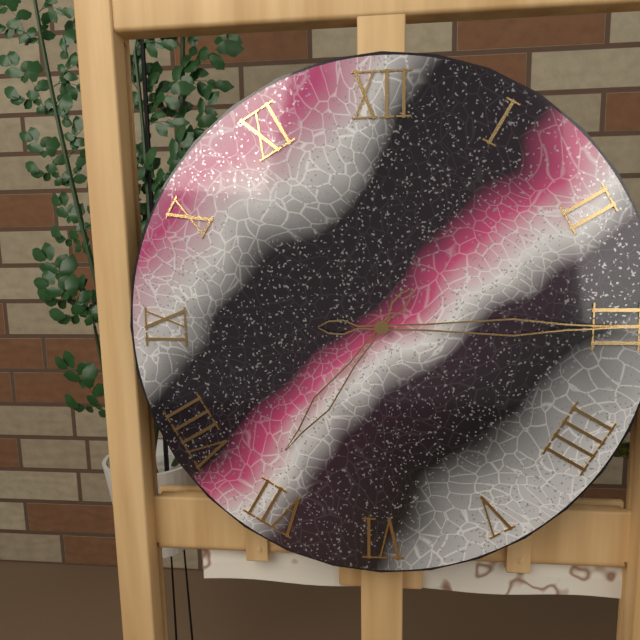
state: 7:15
